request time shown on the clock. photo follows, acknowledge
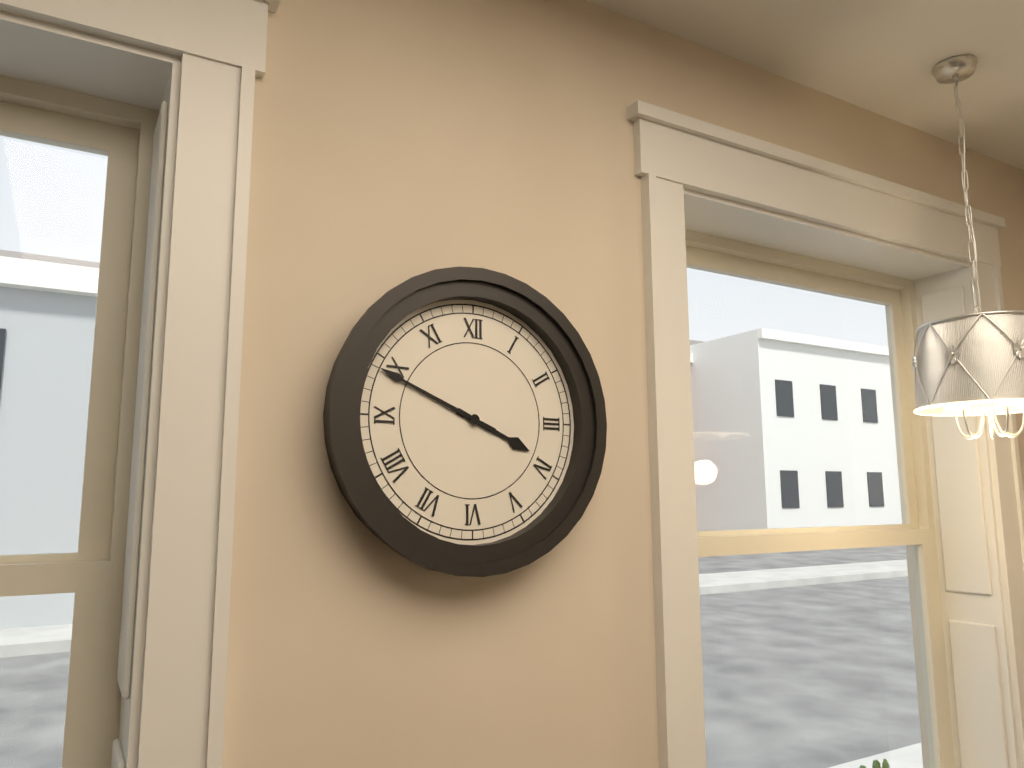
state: 3:49
